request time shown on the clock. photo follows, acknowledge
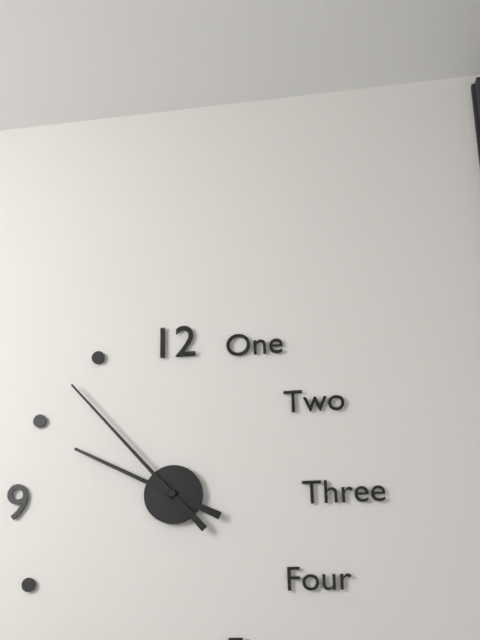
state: 9:53
